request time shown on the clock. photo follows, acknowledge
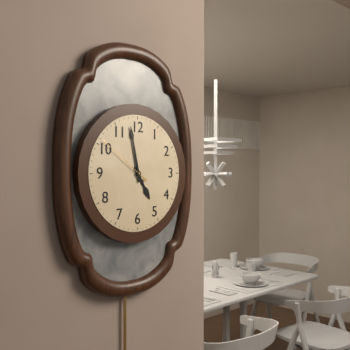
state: 4:58:51
